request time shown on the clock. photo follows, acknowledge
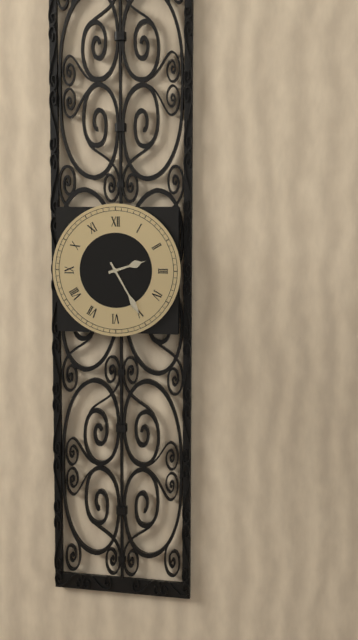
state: 2:25
